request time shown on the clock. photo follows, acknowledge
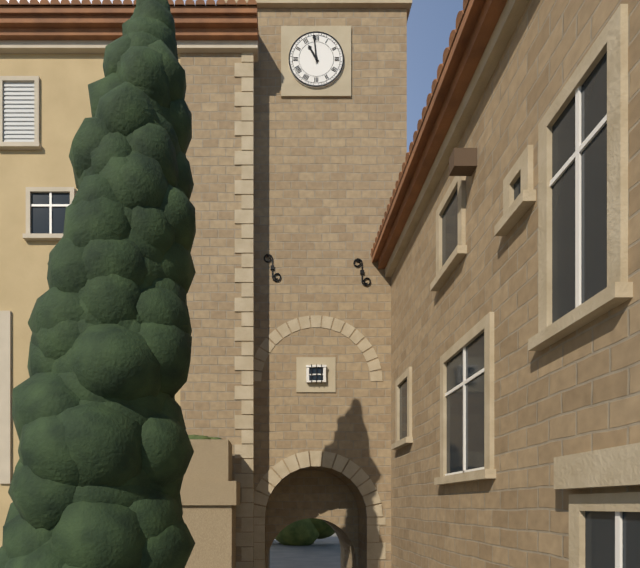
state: 10:59
